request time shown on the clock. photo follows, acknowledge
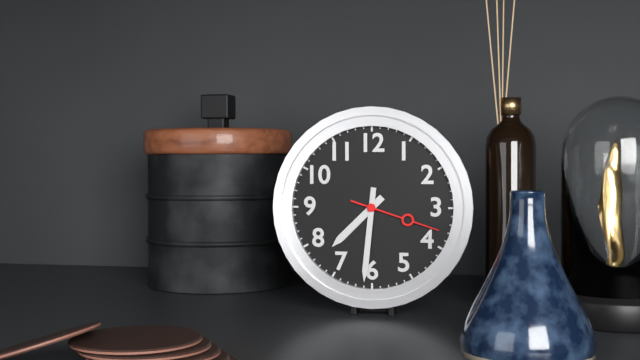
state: 7:31:18
